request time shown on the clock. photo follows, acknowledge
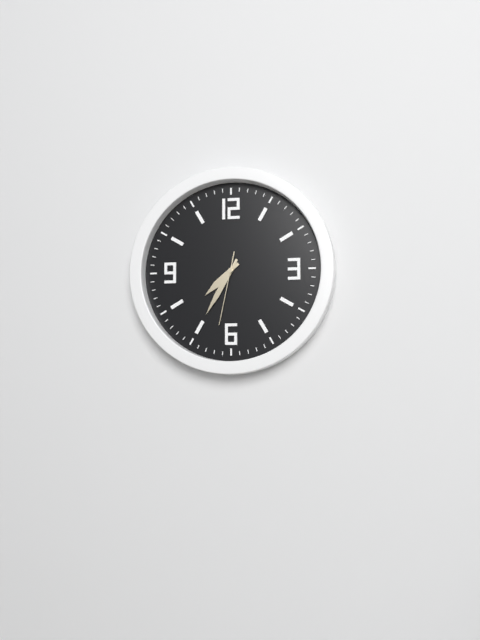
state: 7:35:32
